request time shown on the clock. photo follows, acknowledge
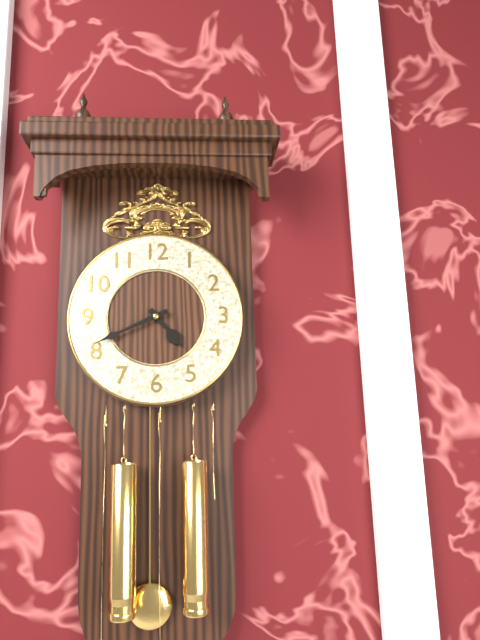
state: 4:41
